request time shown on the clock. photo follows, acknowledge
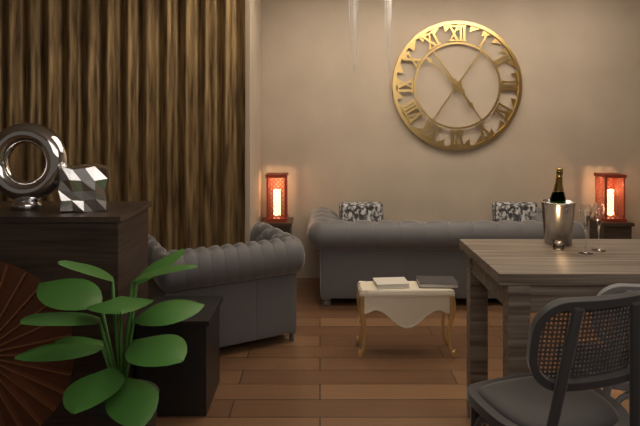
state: 4:52
